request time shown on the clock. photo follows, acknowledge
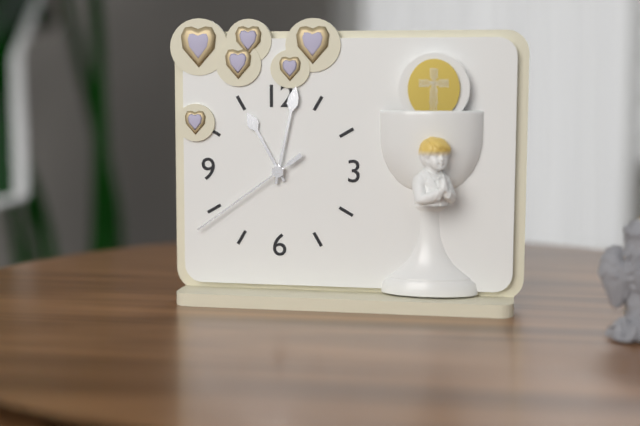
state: 11:02:39
